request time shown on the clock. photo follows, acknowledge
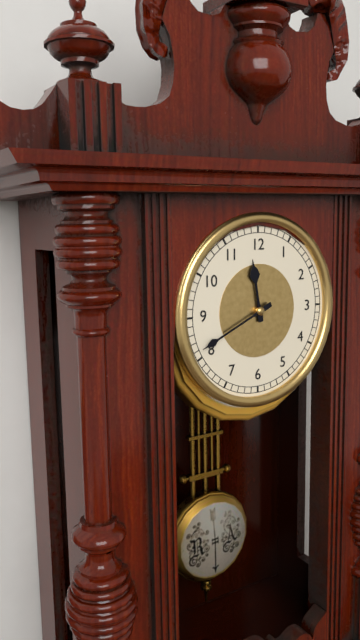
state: 11:41
